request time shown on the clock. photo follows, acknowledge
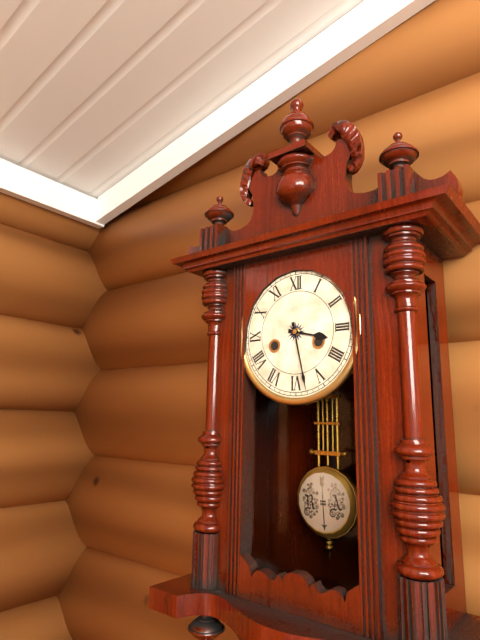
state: 3:28
